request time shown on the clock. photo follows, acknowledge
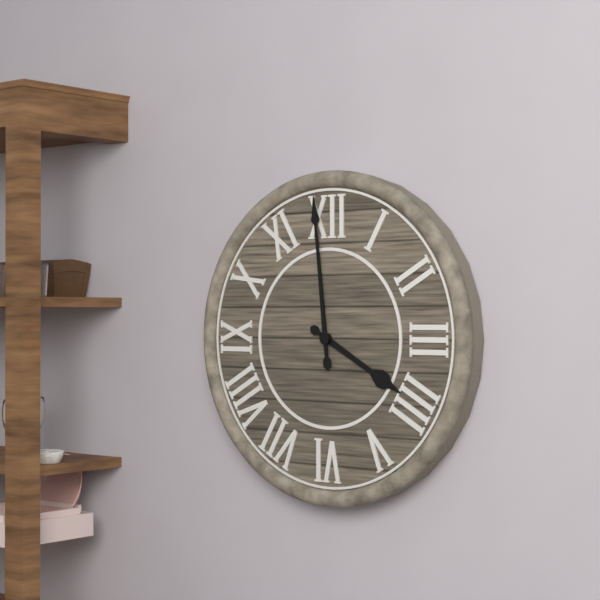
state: 3:59
